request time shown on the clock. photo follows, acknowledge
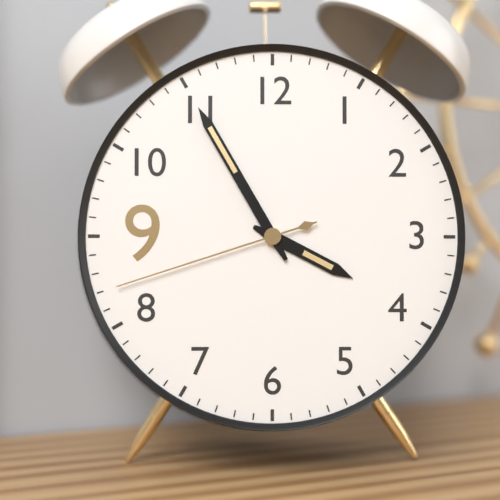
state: 3:55:42
